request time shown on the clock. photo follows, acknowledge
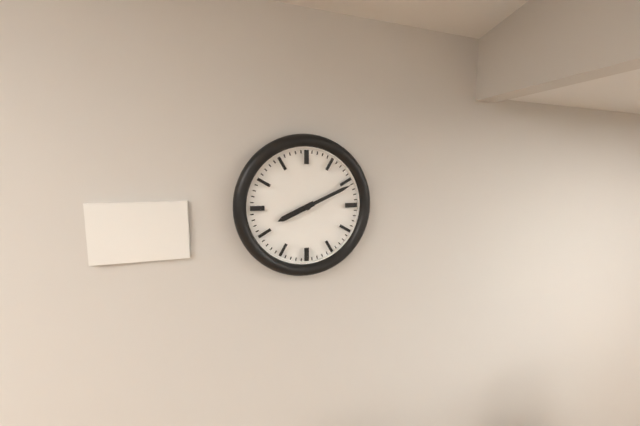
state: 8:11
